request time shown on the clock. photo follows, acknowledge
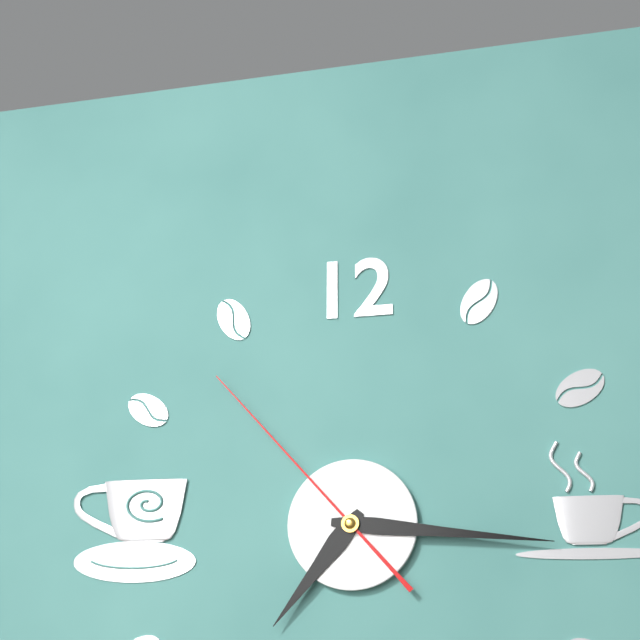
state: 7:16:53
